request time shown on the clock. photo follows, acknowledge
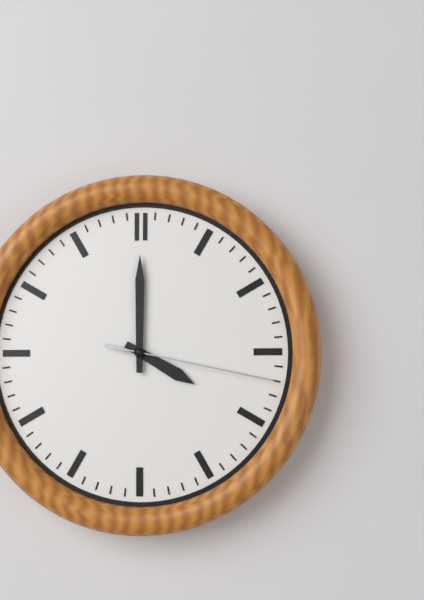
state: 4:00:17
